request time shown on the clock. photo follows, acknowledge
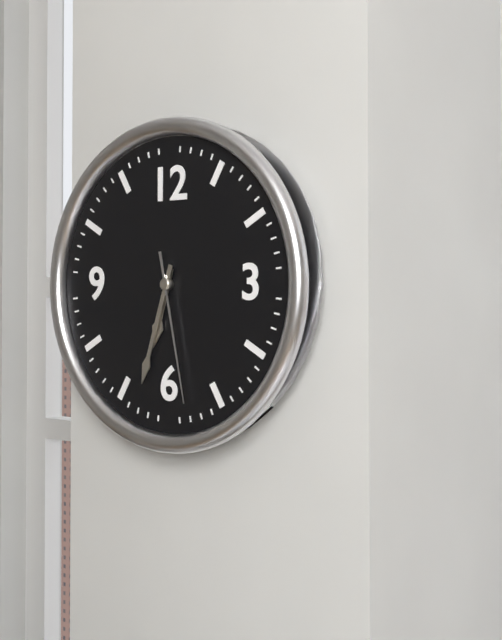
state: 6:33:28
